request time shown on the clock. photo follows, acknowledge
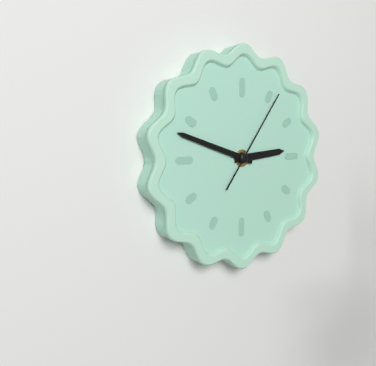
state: 2:48:06
